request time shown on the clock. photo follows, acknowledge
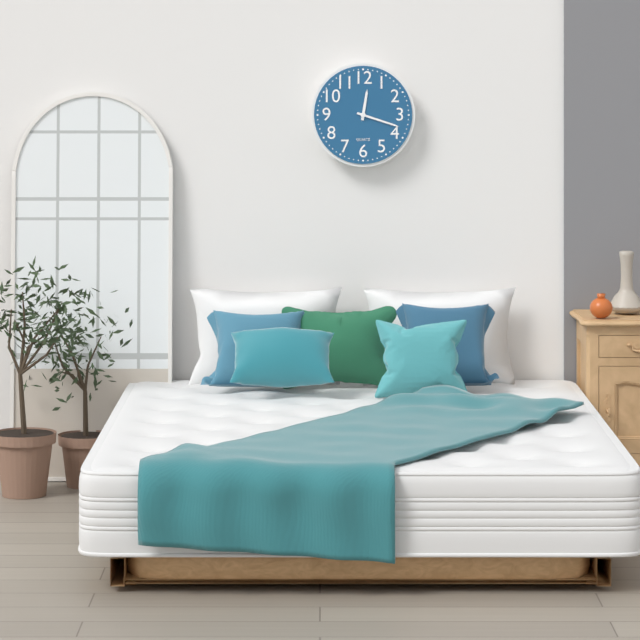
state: 12:18
